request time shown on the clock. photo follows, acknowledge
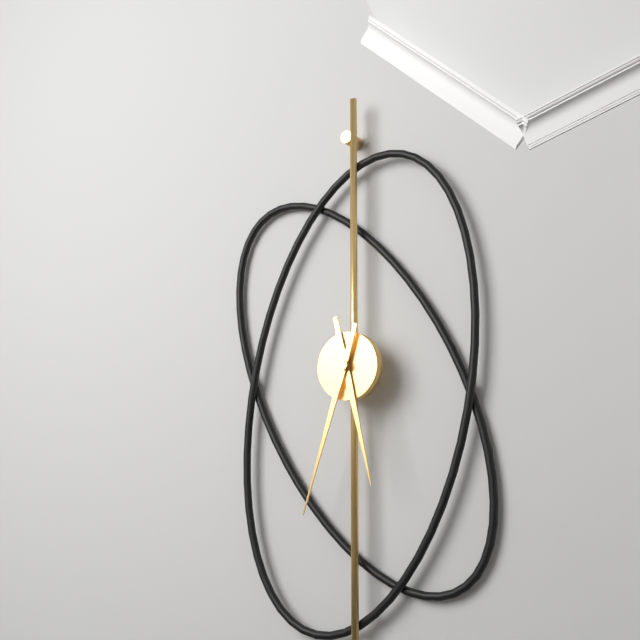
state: 5:33
